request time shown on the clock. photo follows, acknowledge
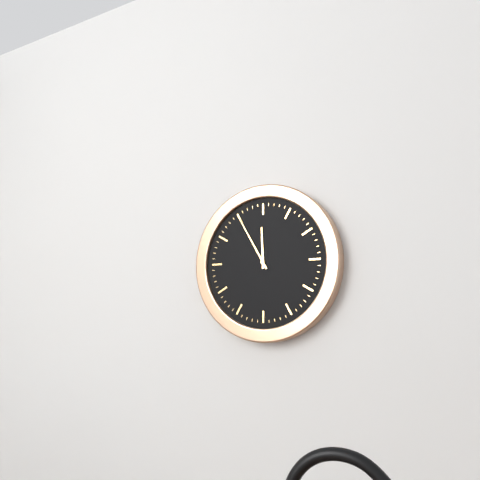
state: 11:55
